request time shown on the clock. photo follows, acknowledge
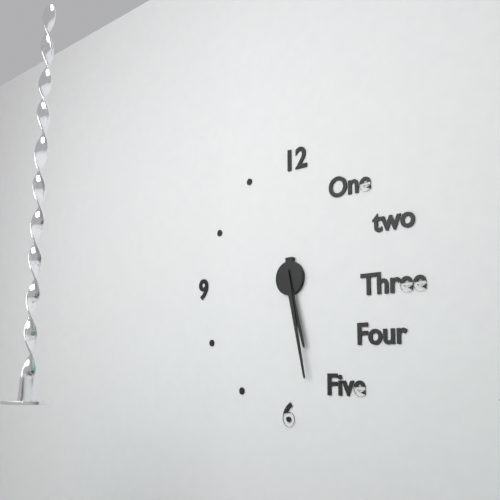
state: 5:28
